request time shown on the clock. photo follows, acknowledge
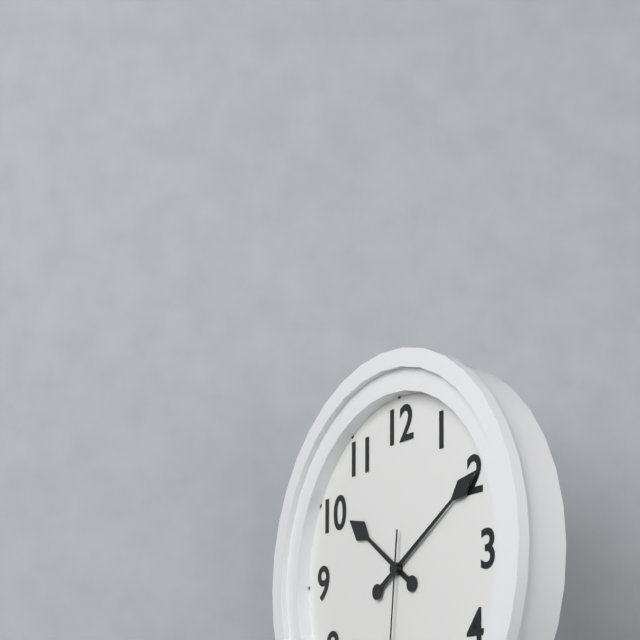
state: 10:10
